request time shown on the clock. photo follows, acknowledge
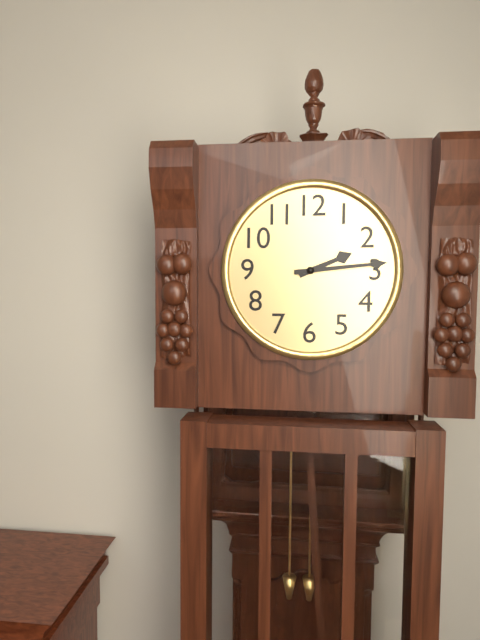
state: 2:14
